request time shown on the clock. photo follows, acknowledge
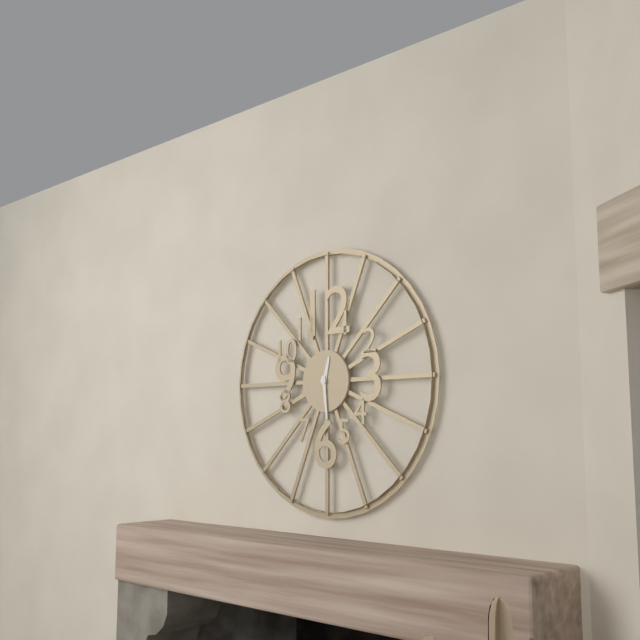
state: 12:29
